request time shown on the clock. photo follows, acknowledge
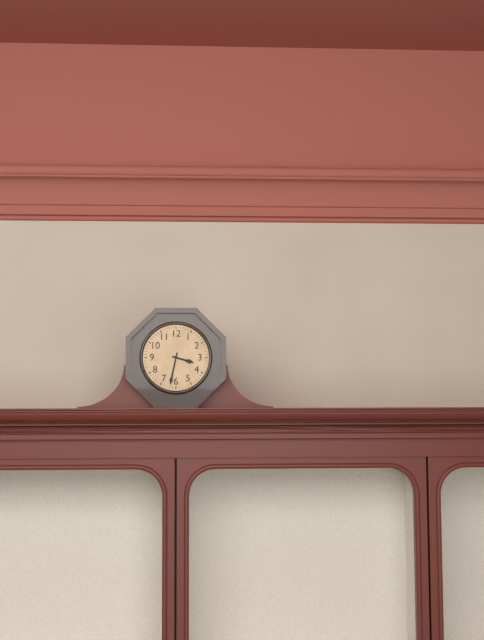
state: 3:32
